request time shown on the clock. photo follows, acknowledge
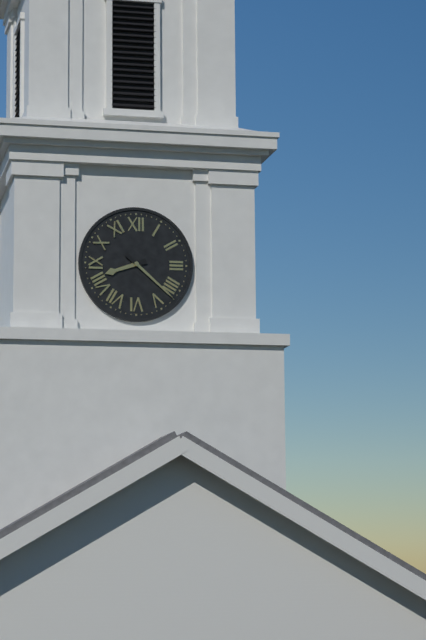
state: 8:22
